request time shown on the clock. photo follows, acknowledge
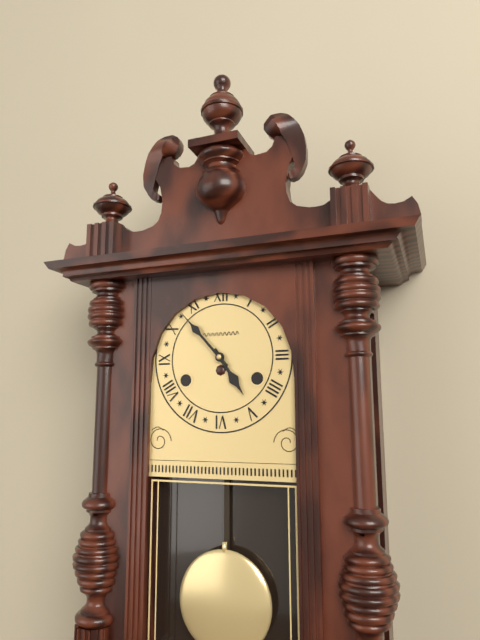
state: 4:53
